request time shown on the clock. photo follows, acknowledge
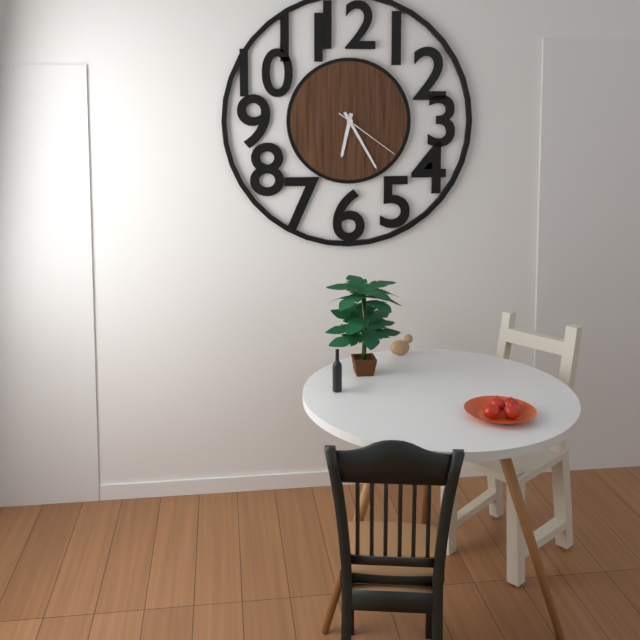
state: 6:25:21
